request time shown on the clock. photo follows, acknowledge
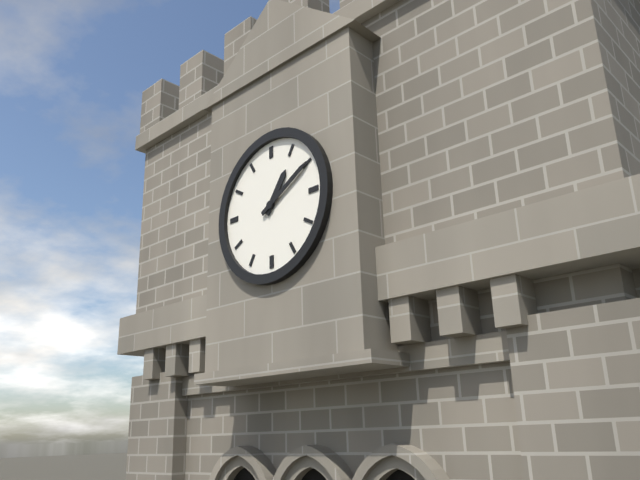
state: 1:10
